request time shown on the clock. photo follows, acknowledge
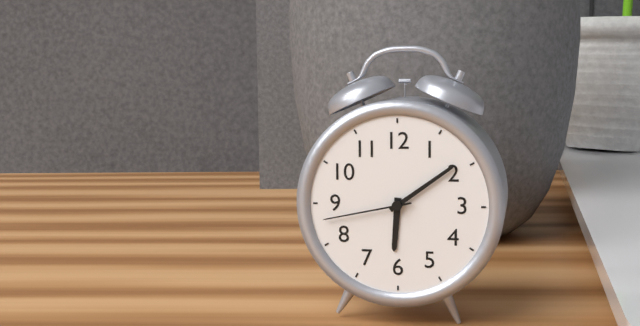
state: 6:09:43
